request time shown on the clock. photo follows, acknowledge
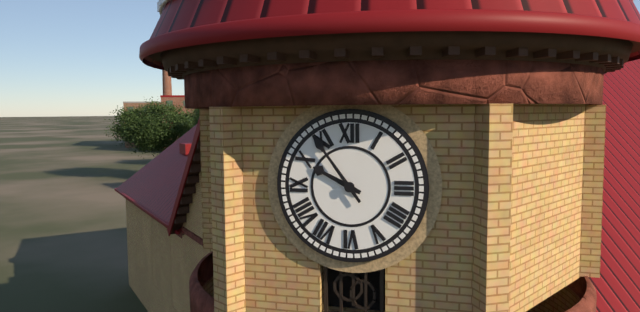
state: 9:54
